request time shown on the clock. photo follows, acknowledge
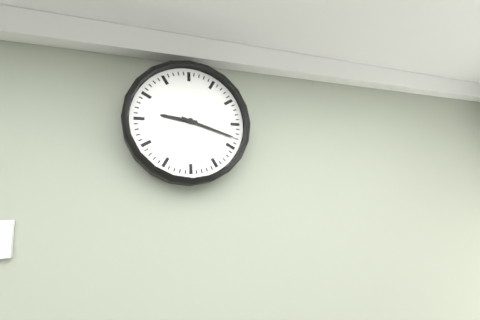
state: 9:18
